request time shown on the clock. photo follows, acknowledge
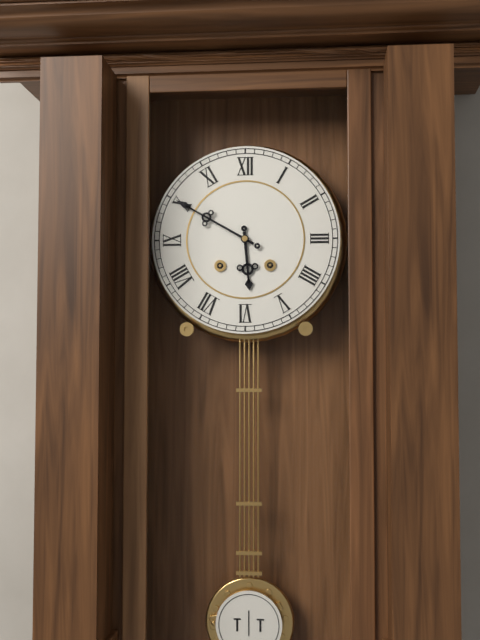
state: 5:50
